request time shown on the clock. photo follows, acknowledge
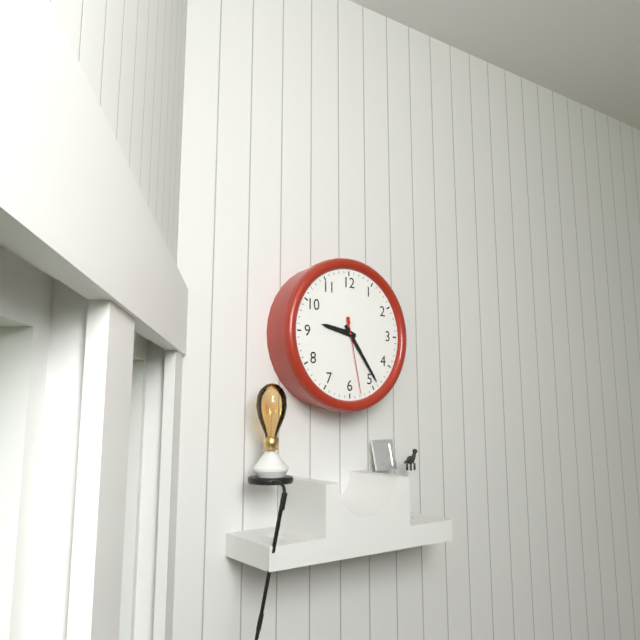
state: 9:24:28
